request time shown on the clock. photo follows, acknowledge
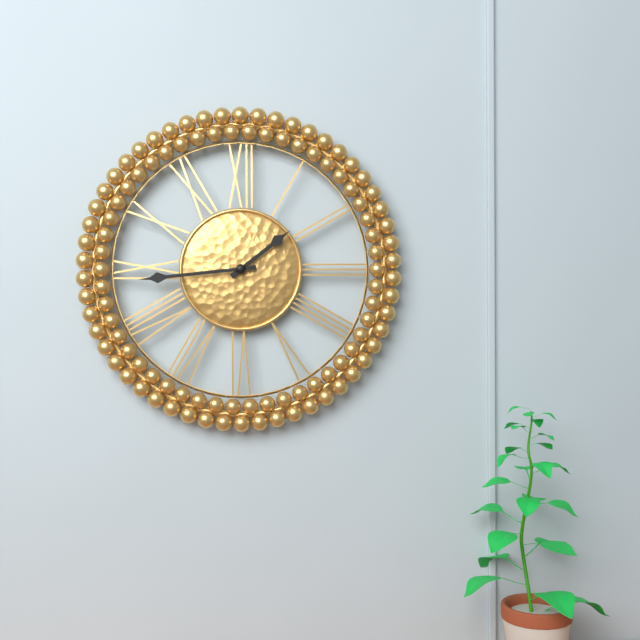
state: 1:44
